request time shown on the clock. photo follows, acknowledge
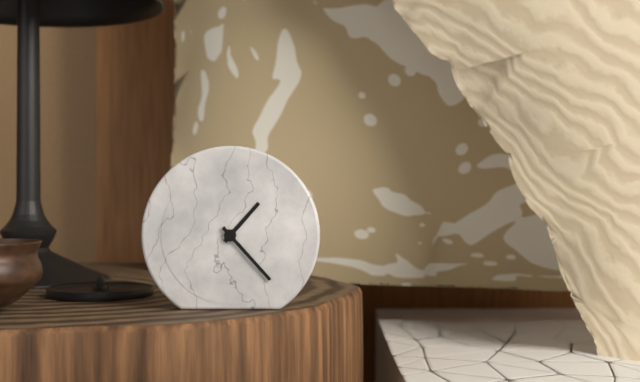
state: 1:23
